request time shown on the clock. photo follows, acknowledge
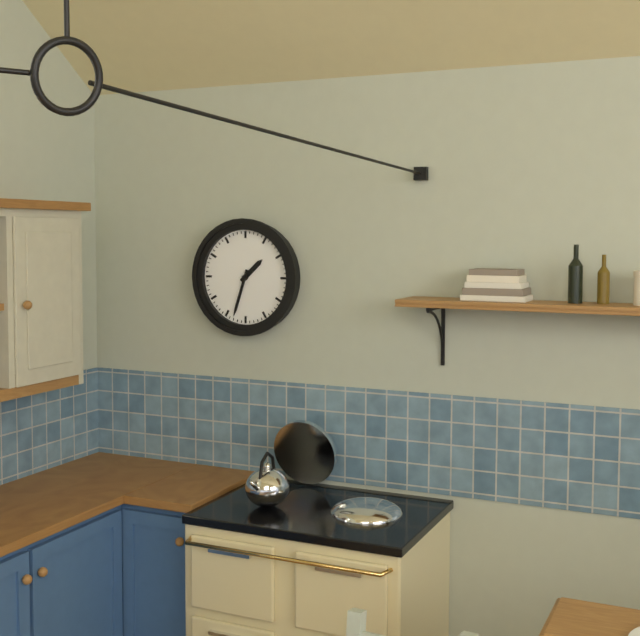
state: 1:33
